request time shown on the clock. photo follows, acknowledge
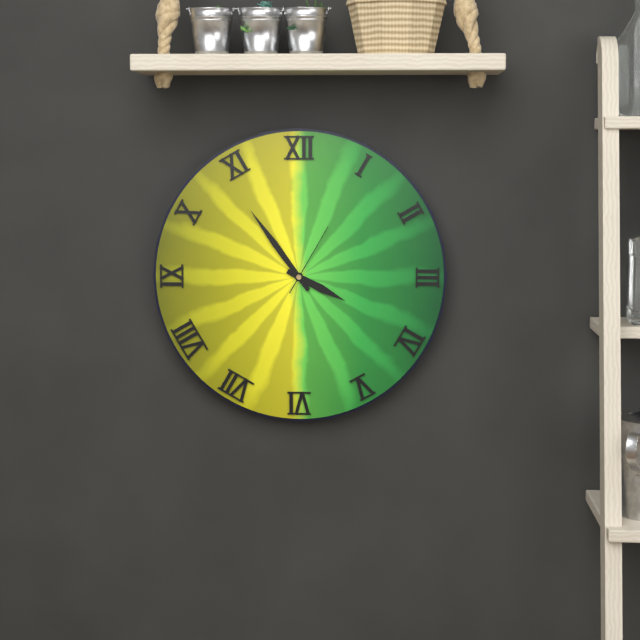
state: 3:54:05
